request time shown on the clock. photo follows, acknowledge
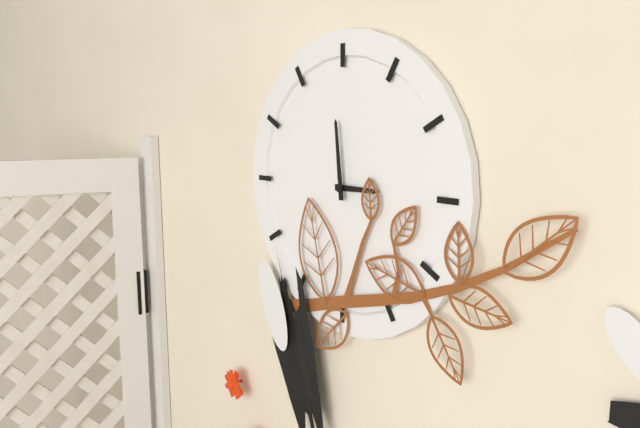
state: 2:59
